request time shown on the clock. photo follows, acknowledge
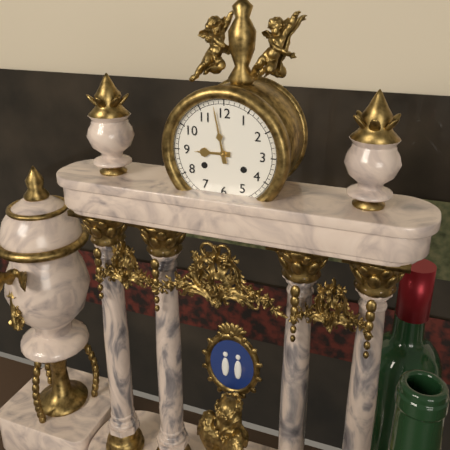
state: 8:58
